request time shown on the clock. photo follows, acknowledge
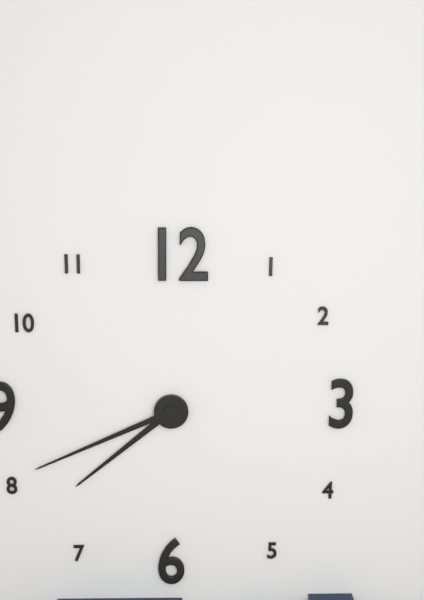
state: 7:41
